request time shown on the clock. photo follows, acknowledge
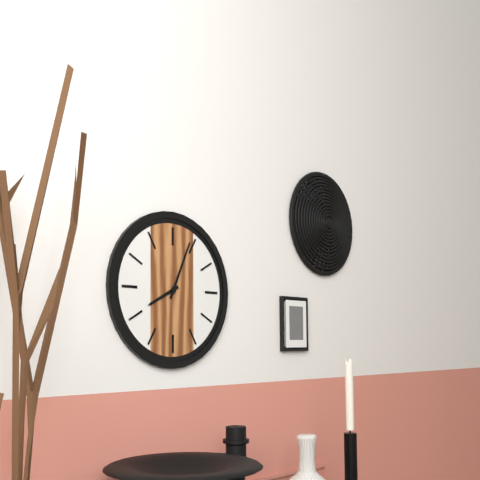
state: 8:04
